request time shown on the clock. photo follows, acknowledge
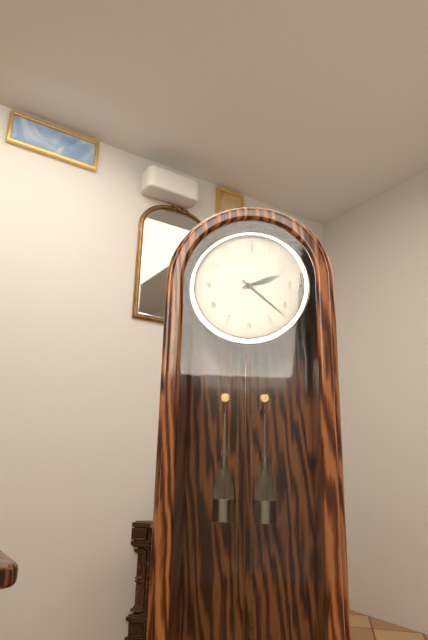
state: 2:22
